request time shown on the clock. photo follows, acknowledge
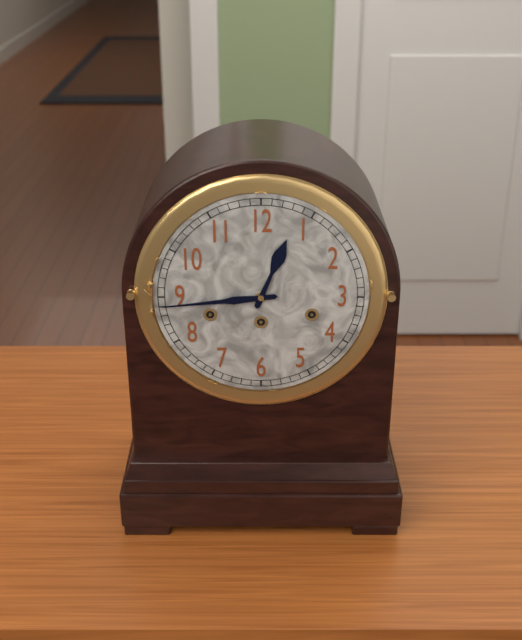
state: 12:44
